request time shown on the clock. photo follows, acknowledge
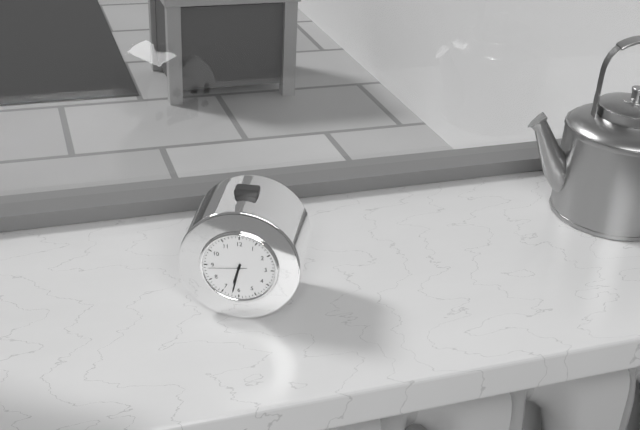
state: 6:32
